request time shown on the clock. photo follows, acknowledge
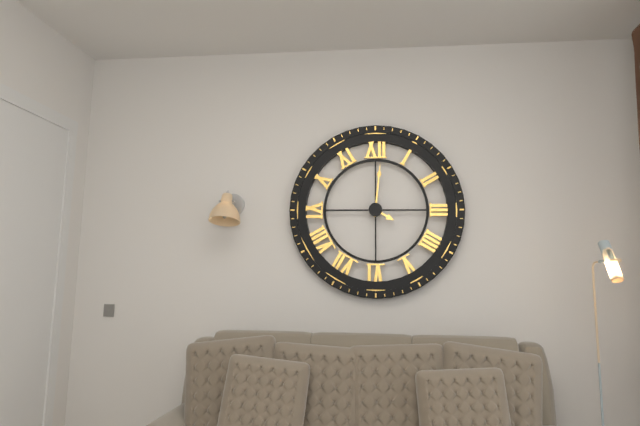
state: 4:01
